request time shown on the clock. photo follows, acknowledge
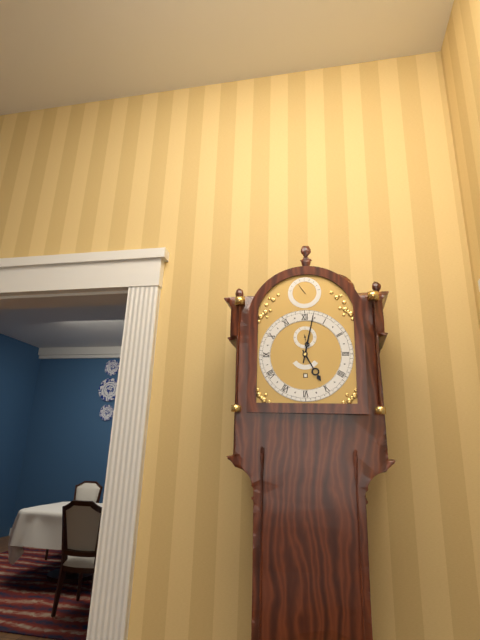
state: 5:02
